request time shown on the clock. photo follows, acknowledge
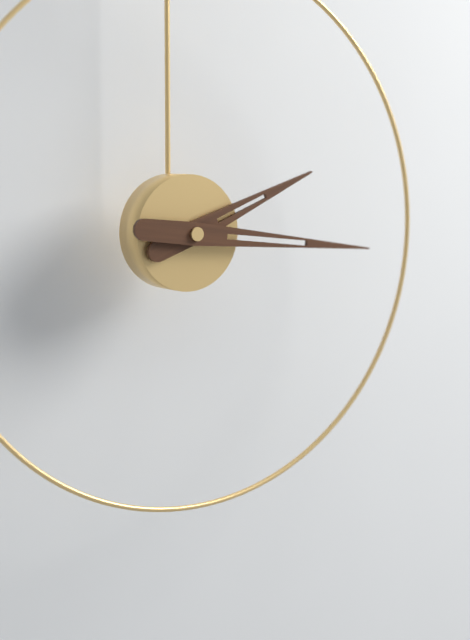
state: 2:16
